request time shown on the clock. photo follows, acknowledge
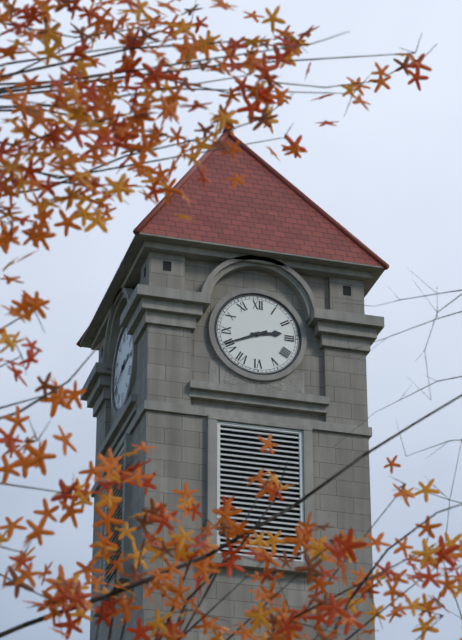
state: 2:41
